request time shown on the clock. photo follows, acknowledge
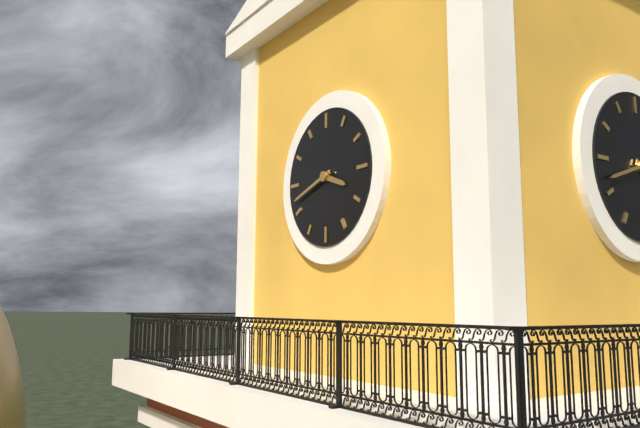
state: 3:42
